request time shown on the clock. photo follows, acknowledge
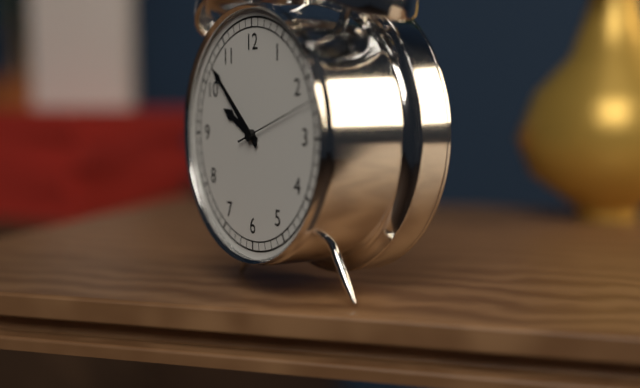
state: 9:52:12
